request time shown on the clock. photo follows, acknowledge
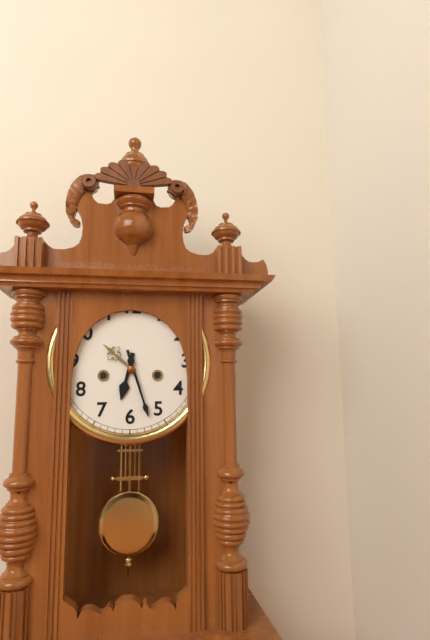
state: 6:27
